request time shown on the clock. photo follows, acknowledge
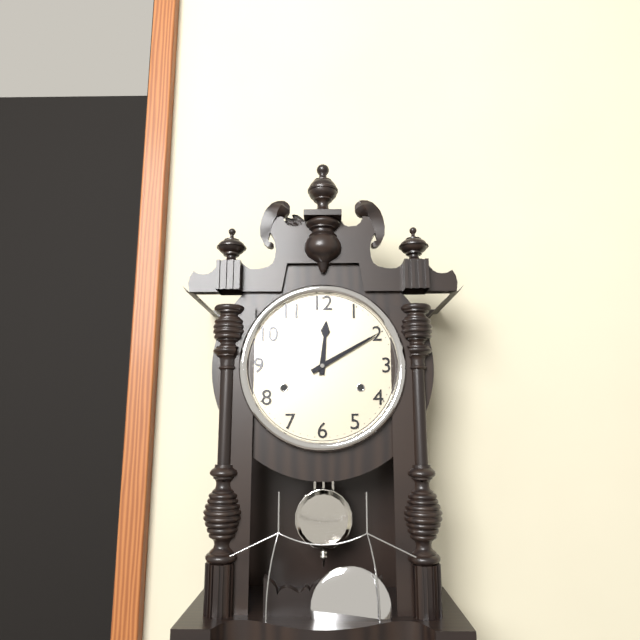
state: 12:10
